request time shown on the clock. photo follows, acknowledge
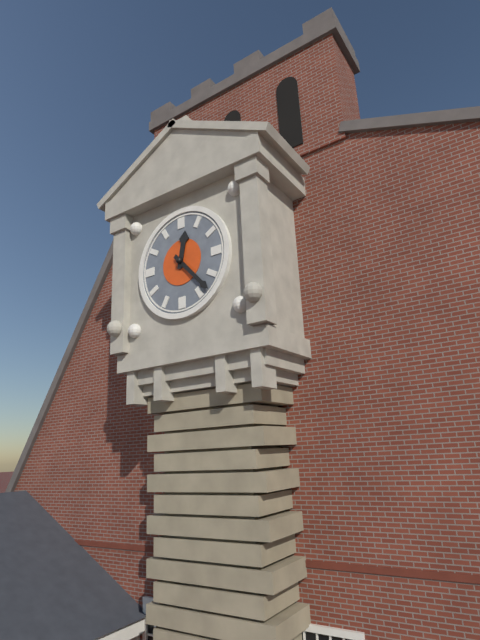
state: 12:23
